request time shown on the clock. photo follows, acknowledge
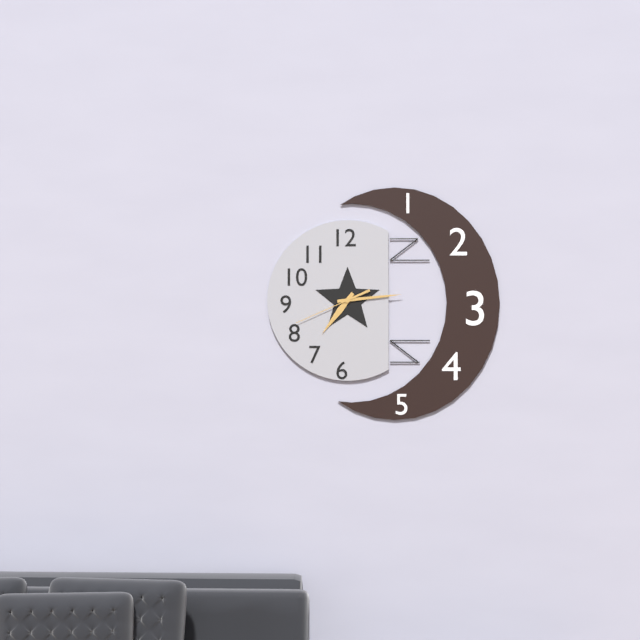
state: 7:14:41
